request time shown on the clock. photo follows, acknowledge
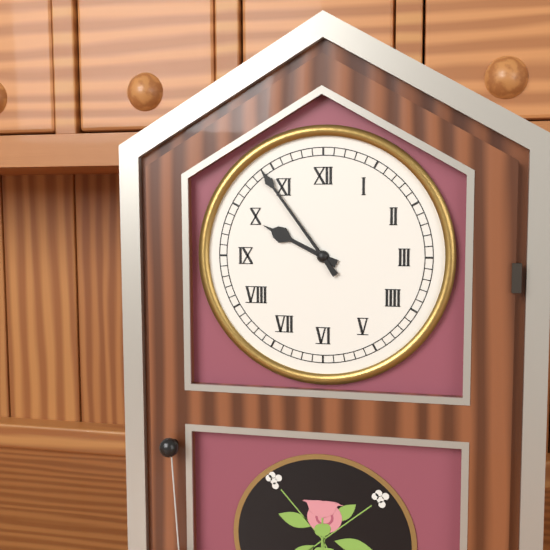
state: 9:54
